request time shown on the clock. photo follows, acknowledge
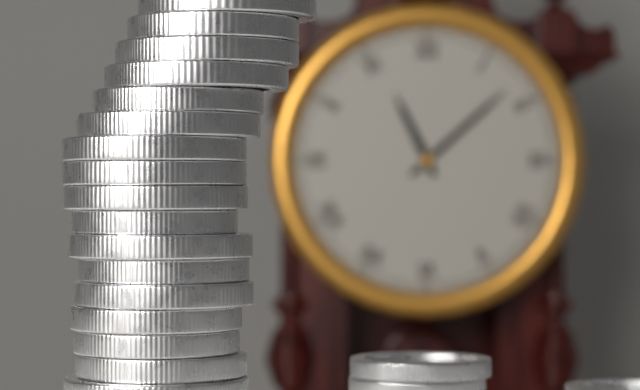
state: 11:08
